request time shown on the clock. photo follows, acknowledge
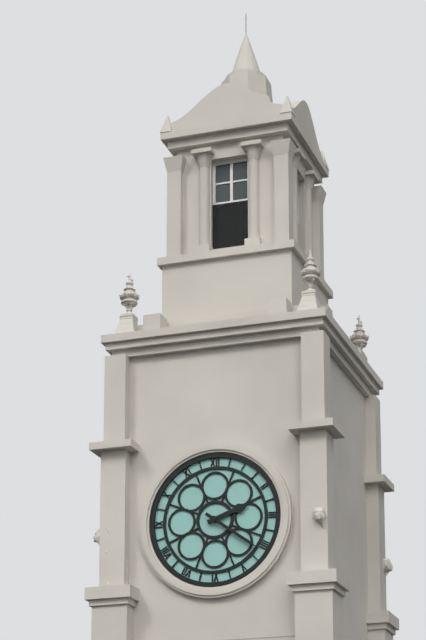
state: 2:21
